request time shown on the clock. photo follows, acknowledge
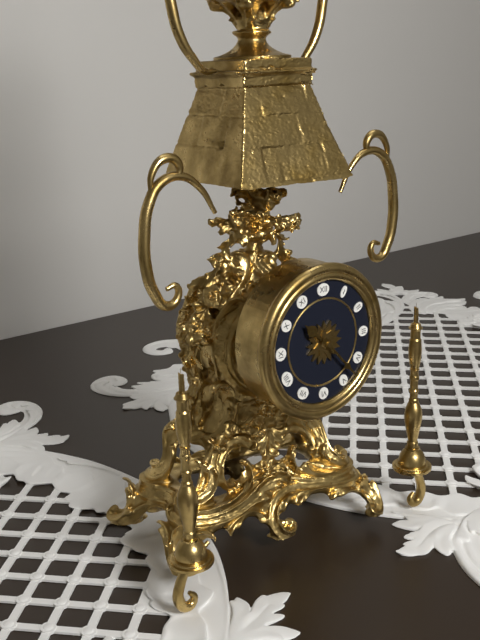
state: 10:23
